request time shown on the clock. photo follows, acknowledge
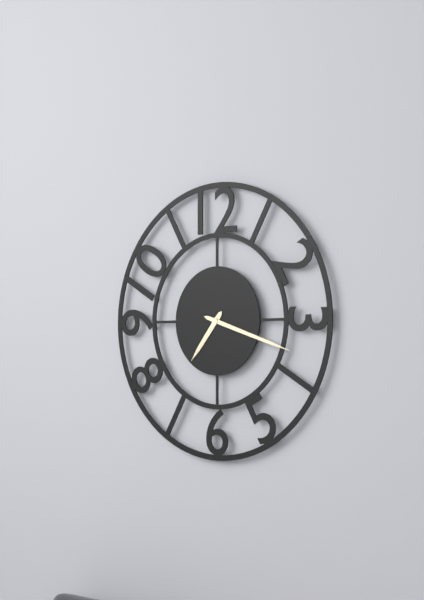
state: 7:18
